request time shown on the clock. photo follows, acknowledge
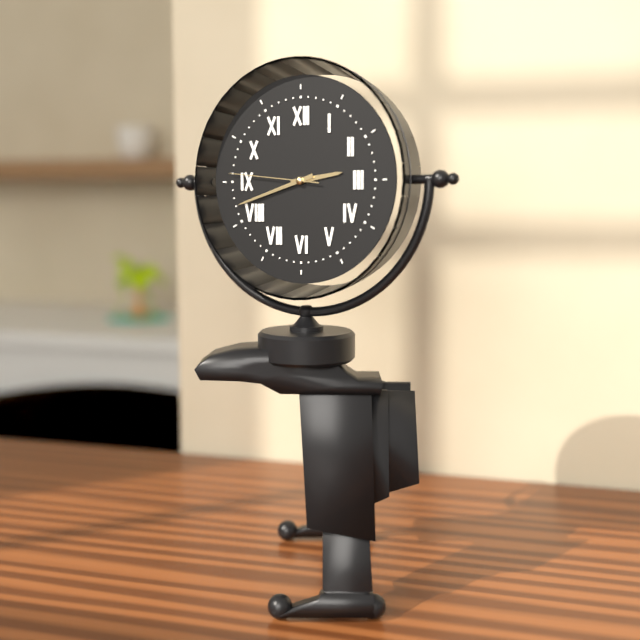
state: 2:42:46
